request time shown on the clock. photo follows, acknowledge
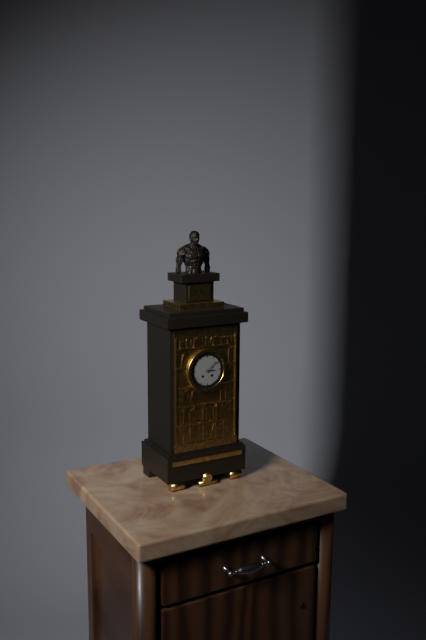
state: 3:08
